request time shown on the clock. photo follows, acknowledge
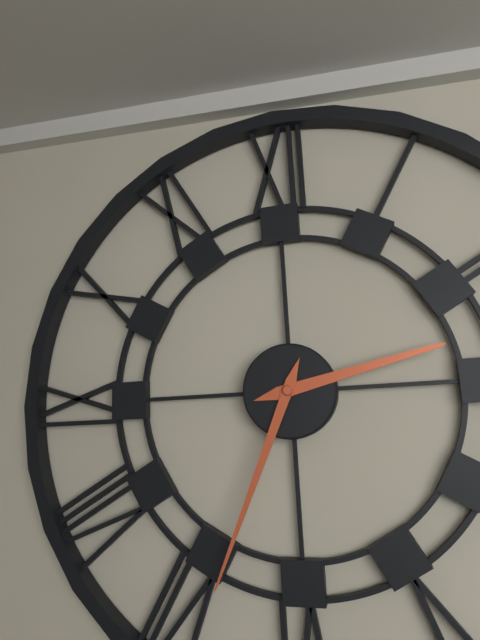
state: 2:34
